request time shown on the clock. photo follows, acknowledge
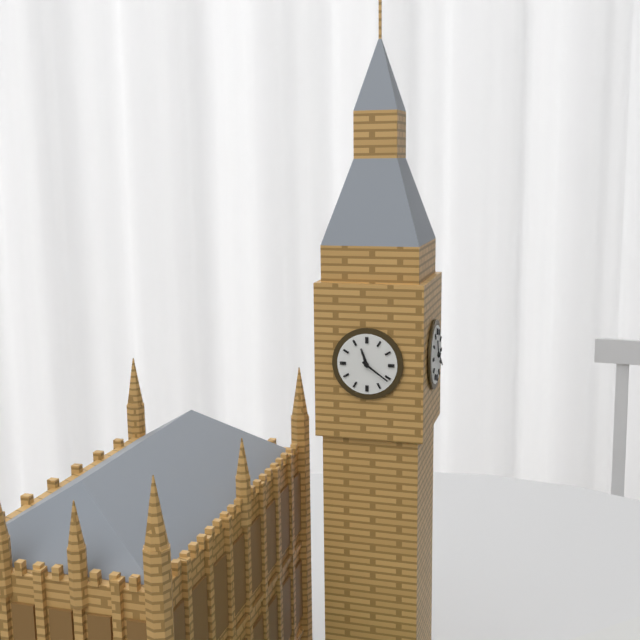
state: 11:21
